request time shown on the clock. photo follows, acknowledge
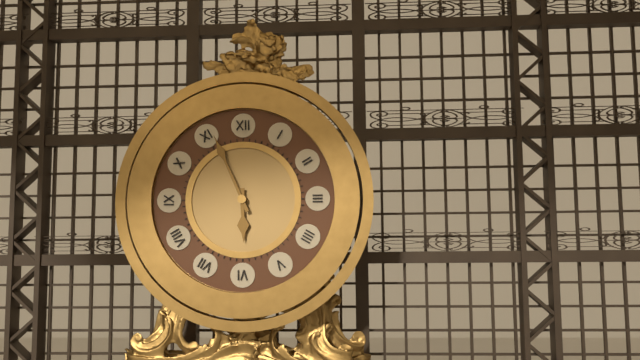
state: 5:56
